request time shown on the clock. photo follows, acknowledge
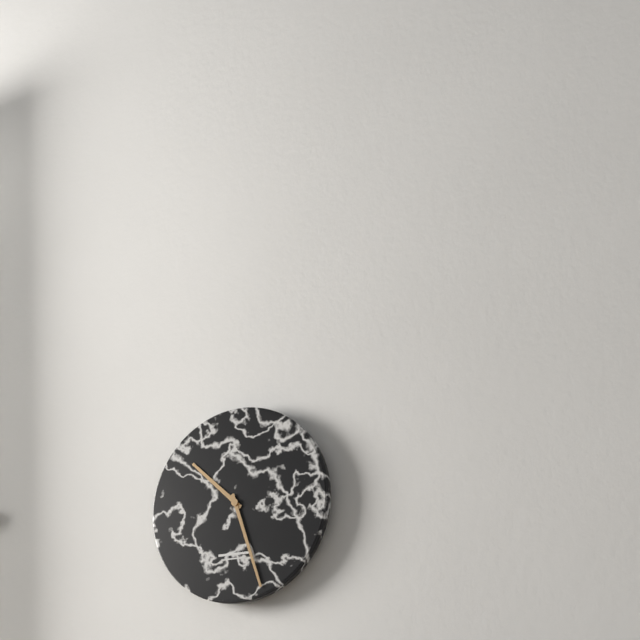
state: 10:27
